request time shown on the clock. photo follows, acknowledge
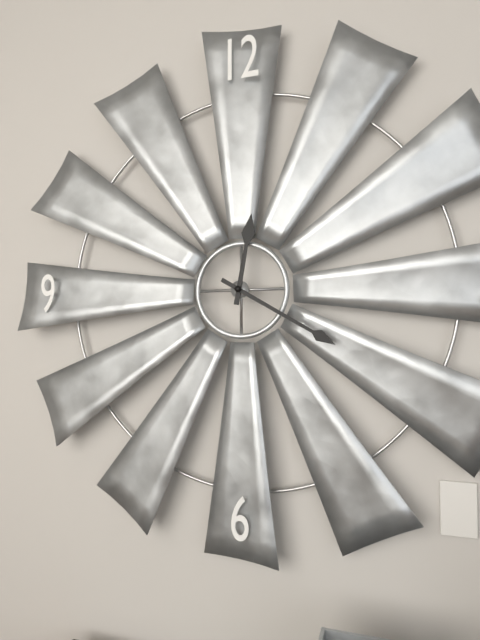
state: 12:20
